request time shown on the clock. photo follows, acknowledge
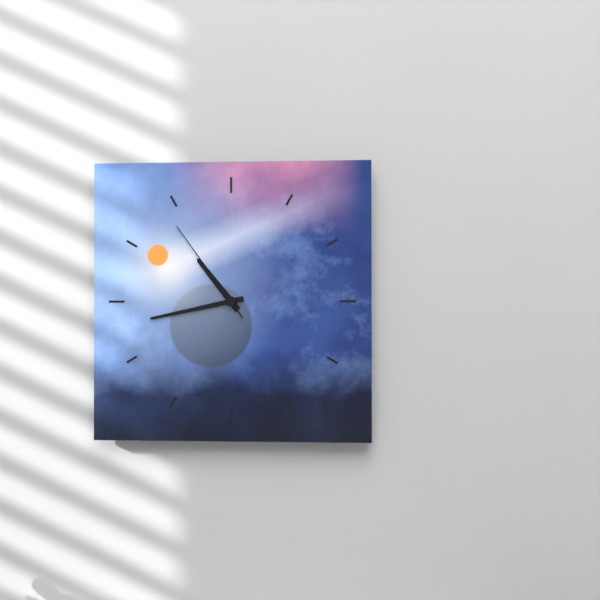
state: 10:43:54
